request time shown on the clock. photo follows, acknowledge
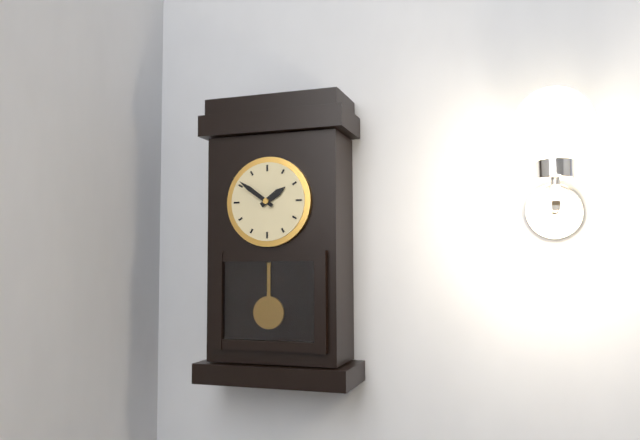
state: 1:51
